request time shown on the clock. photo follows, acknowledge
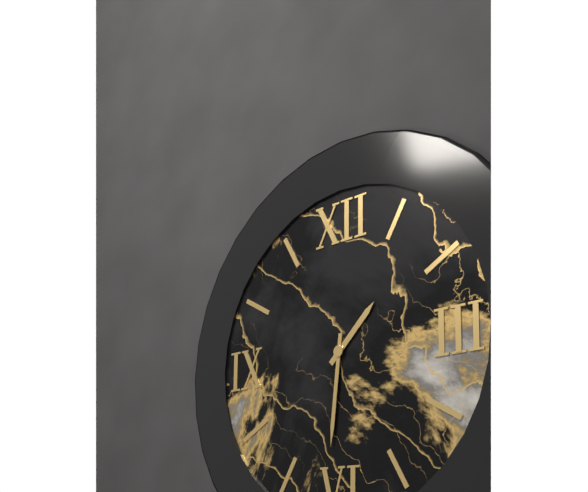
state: 1:31
